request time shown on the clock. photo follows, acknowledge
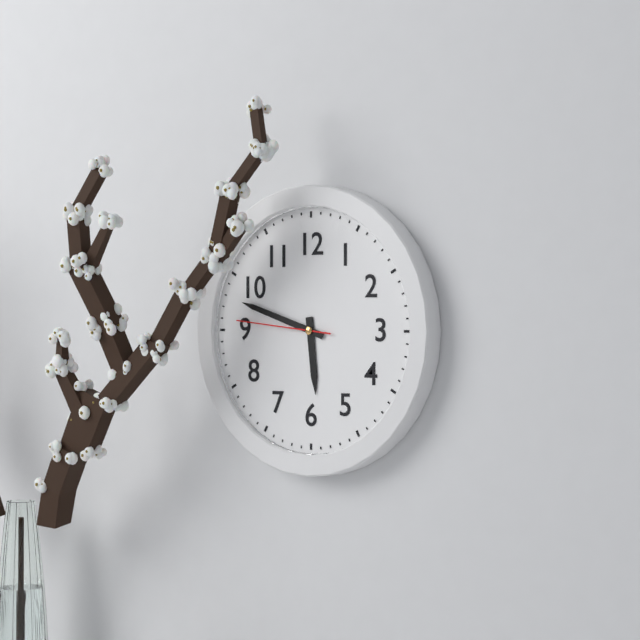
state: 5:48:46
